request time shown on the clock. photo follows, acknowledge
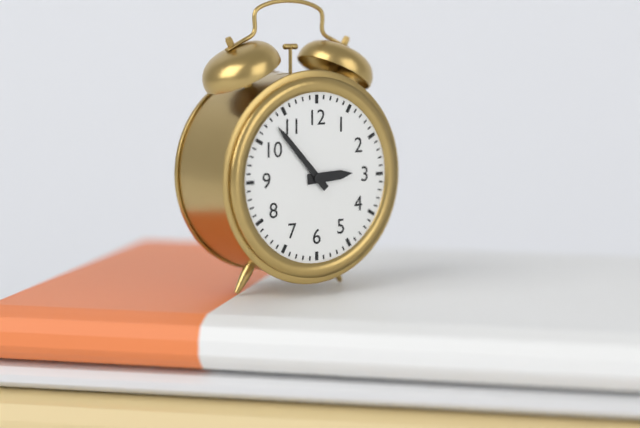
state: 2:53
